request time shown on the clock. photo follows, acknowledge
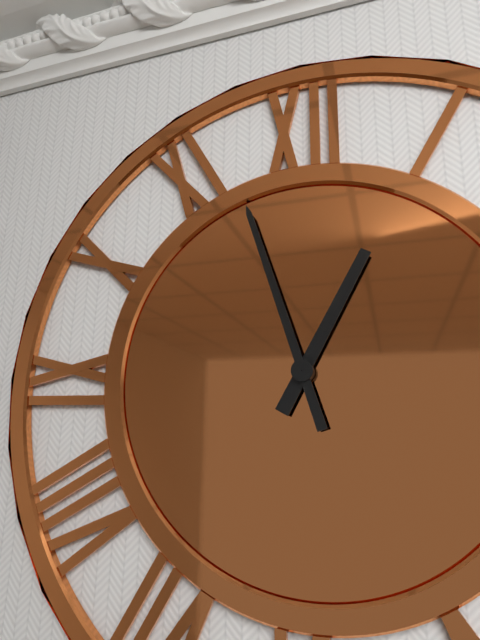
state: 12:57
